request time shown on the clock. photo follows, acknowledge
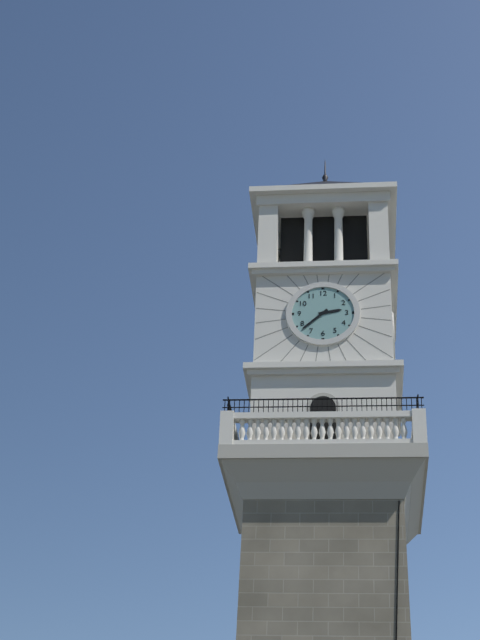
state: 2:38
